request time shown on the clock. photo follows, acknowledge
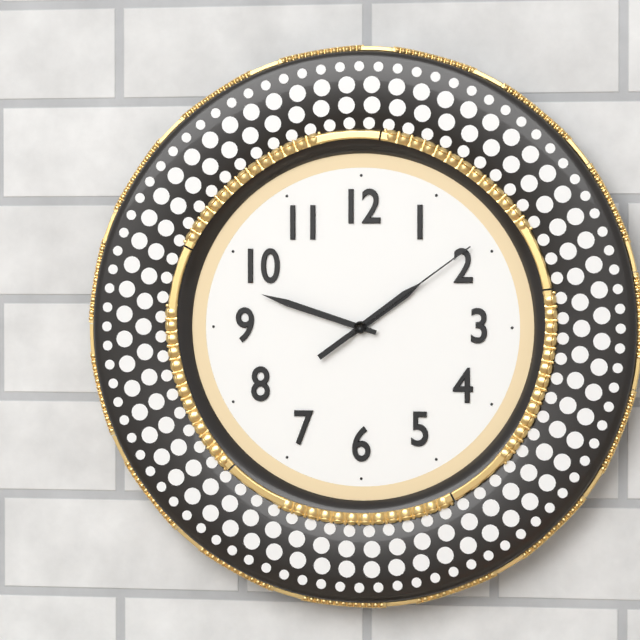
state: 1:48:09
